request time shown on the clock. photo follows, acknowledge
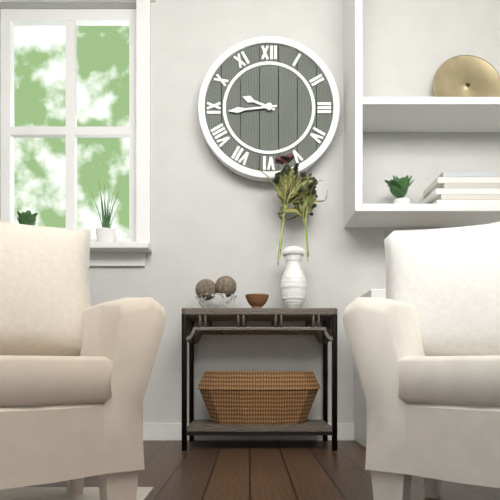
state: 9:44
